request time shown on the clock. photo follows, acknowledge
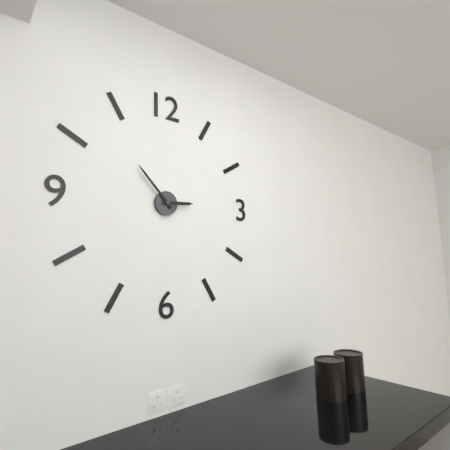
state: 2:53
